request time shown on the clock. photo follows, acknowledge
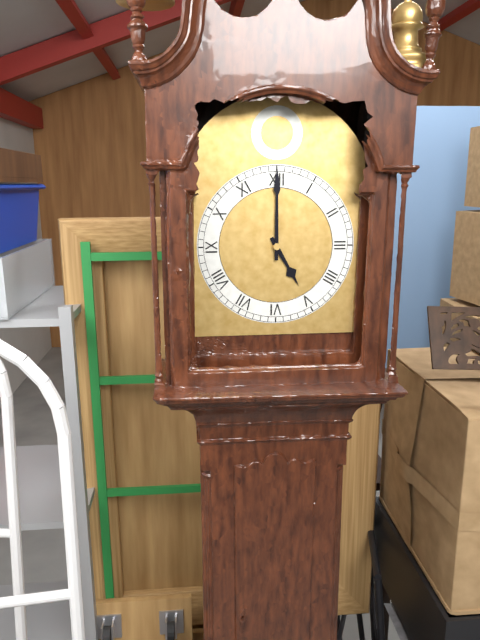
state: 5:00
